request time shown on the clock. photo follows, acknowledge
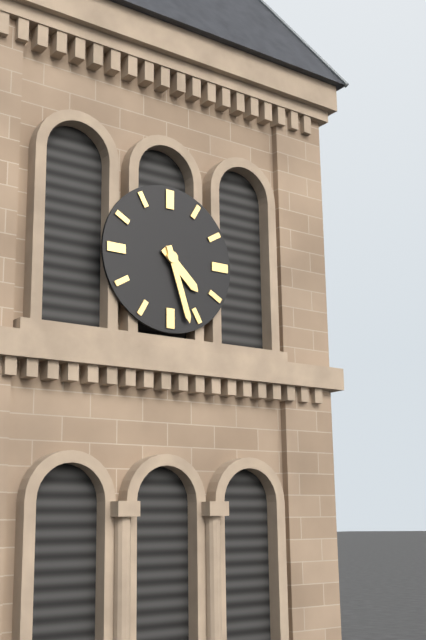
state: 4:27
